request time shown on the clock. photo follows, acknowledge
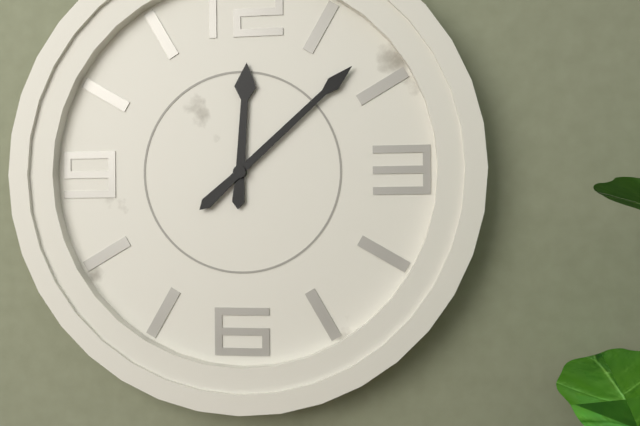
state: 12:08
